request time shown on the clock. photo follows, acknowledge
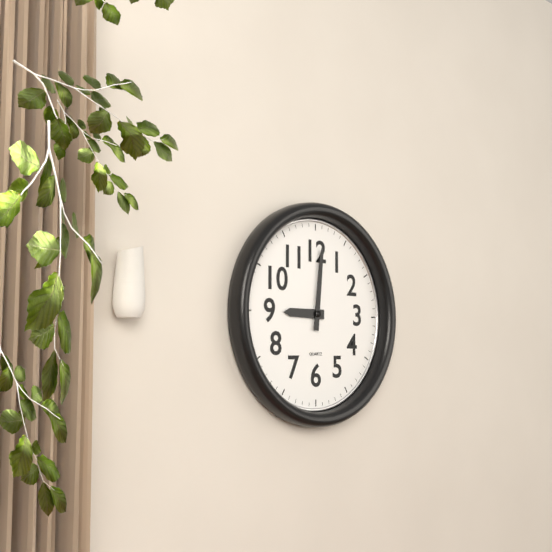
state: 9:01
